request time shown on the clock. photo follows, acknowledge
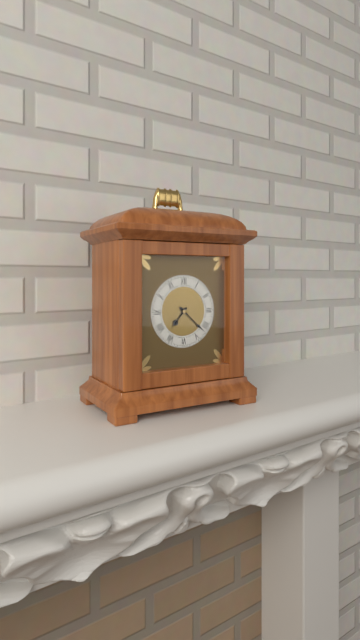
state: 7:22
